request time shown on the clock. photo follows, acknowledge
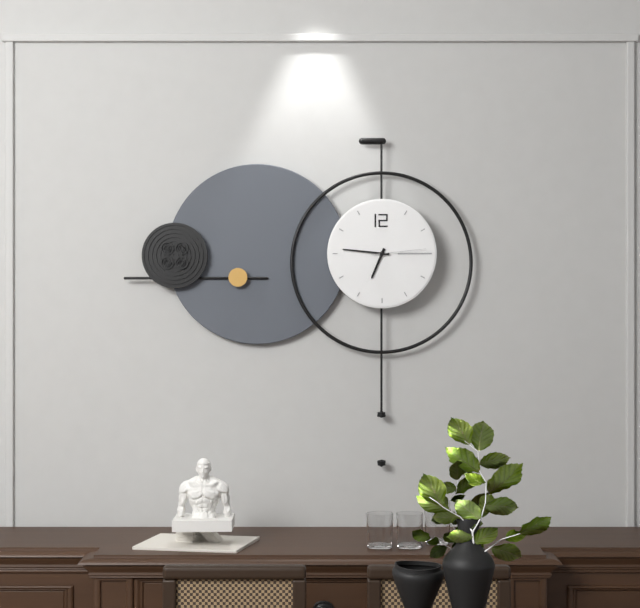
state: 6:46:14
